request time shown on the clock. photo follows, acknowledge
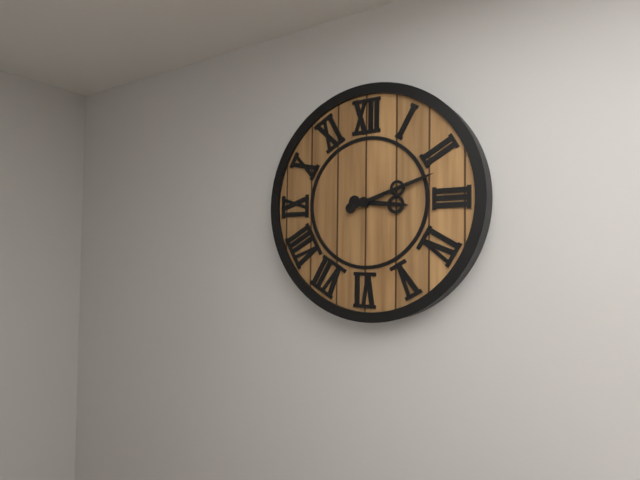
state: 3:12
